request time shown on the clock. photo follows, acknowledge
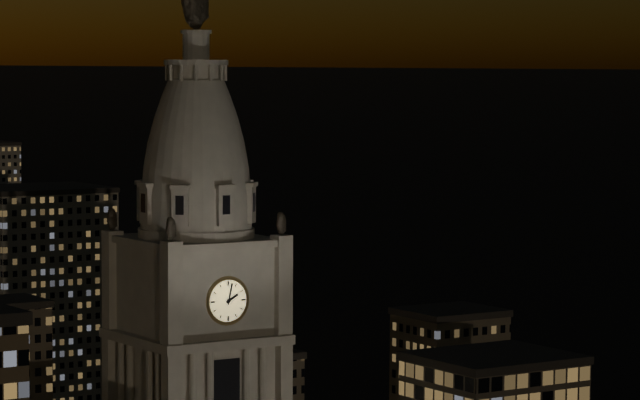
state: 2:02
